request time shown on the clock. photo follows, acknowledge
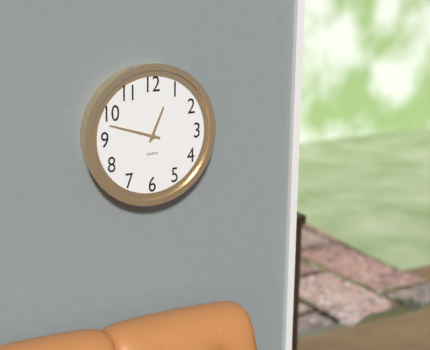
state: 12:48
